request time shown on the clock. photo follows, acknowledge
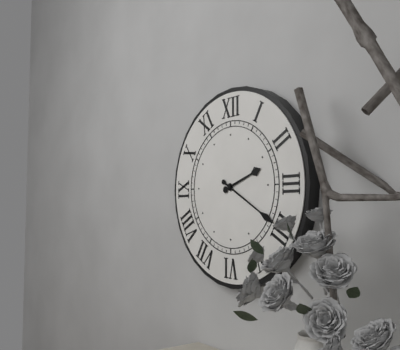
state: 2:20
